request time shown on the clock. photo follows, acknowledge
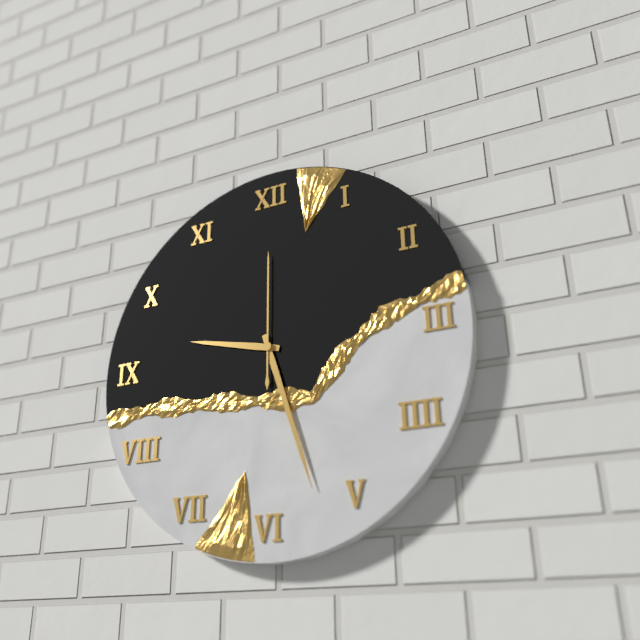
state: 9:27:00
